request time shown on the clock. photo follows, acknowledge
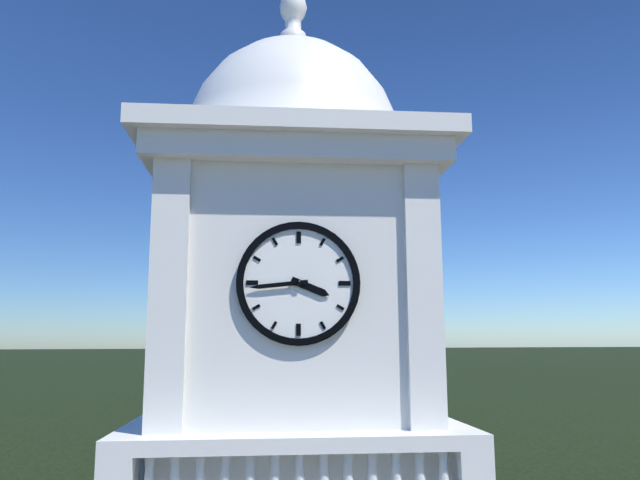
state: 3:44
